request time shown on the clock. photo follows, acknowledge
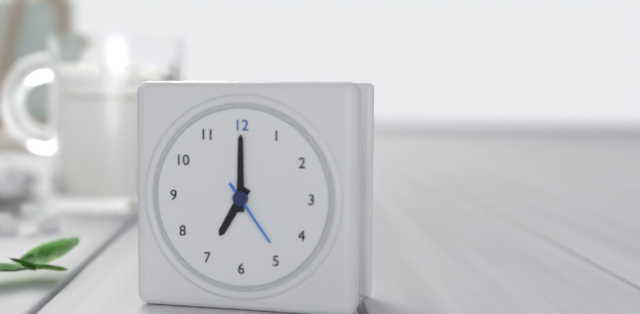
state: 7:00:24
